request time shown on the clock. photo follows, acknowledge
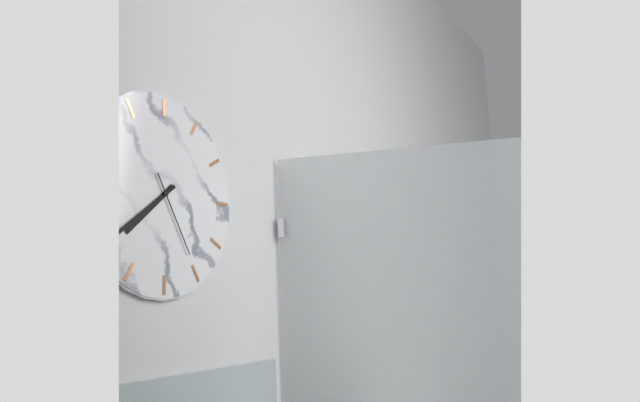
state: 7:39:25
